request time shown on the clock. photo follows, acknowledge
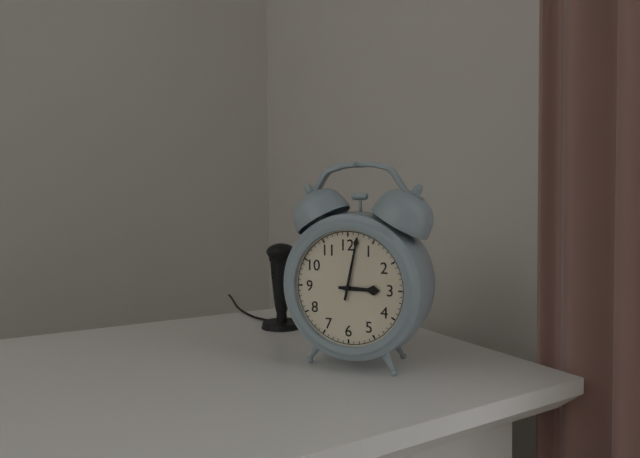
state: 3:02
